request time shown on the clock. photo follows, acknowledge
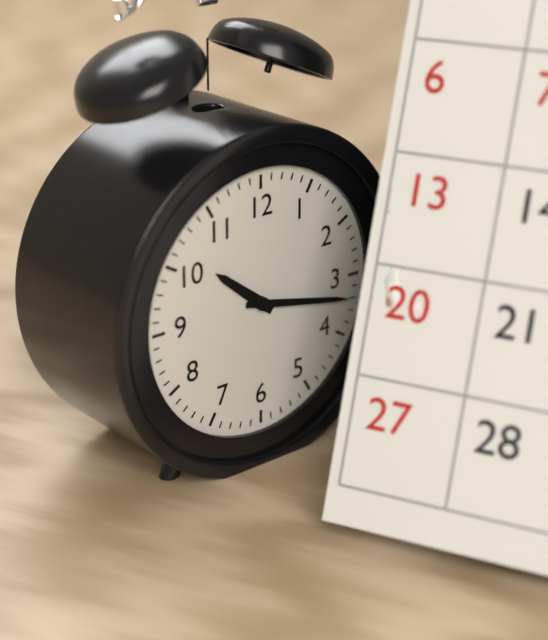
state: 10:17
